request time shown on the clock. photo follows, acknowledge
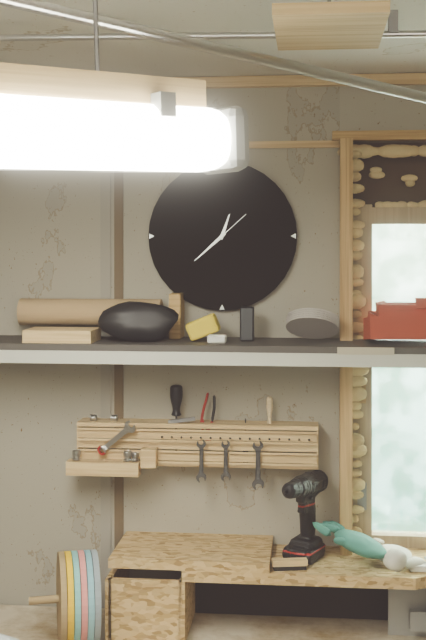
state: 12:38
